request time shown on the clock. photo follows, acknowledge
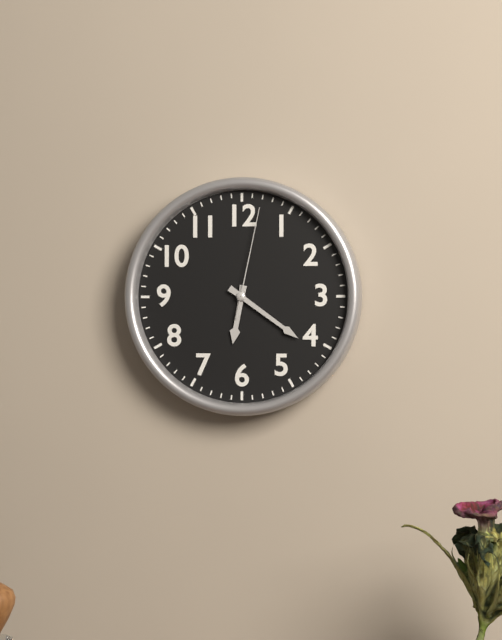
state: 6:21:02
